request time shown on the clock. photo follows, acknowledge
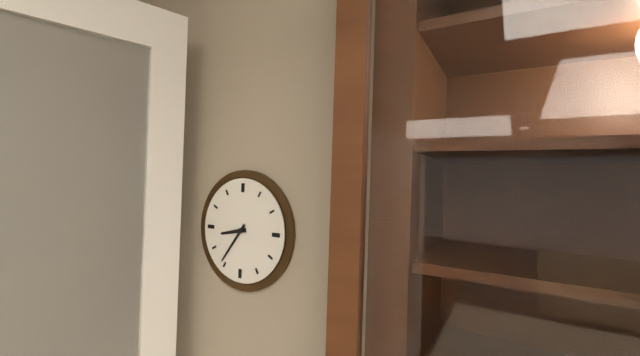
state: 8:36
